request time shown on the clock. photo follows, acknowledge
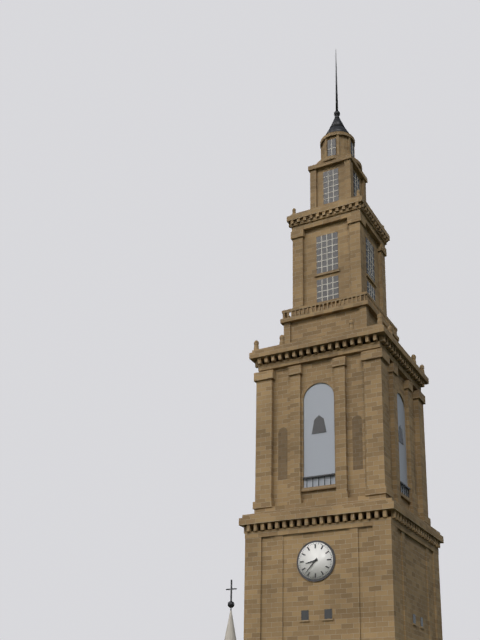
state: 8:37
